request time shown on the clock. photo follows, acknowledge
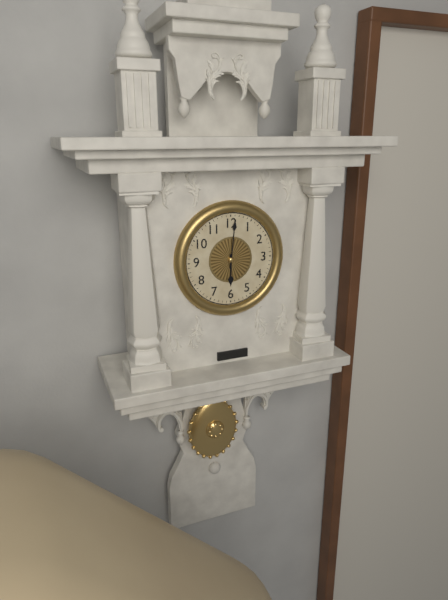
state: 6:01
